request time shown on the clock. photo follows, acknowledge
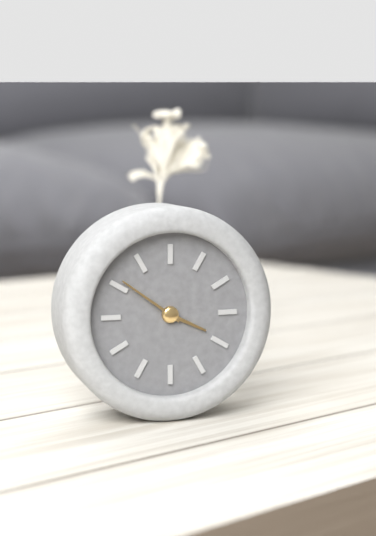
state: 3:51
